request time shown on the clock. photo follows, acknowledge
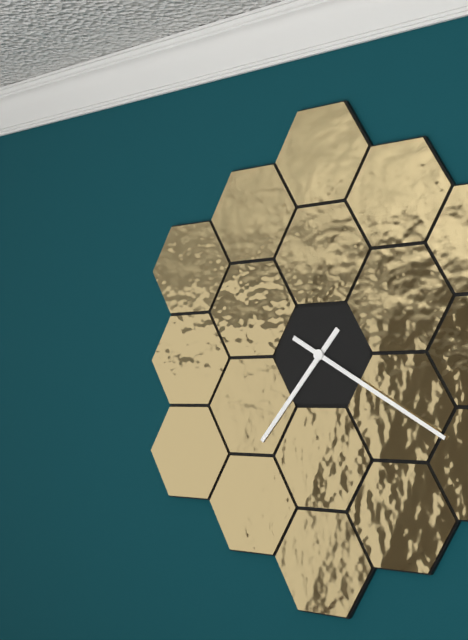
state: 7:20
